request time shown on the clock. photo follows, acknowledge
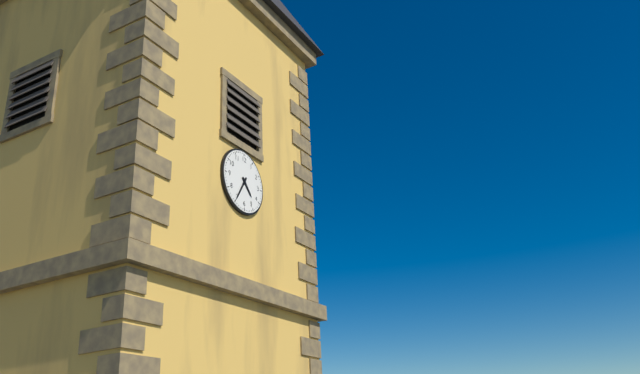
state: 4:35
